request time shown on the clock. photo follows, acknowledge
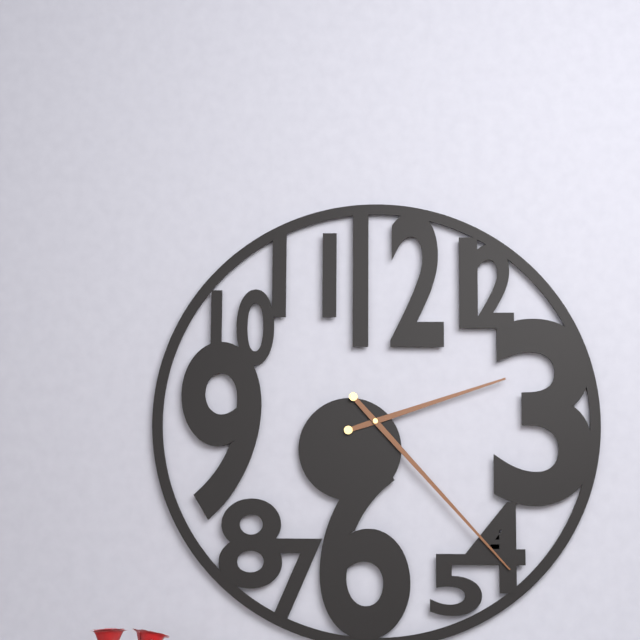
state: 2:23
